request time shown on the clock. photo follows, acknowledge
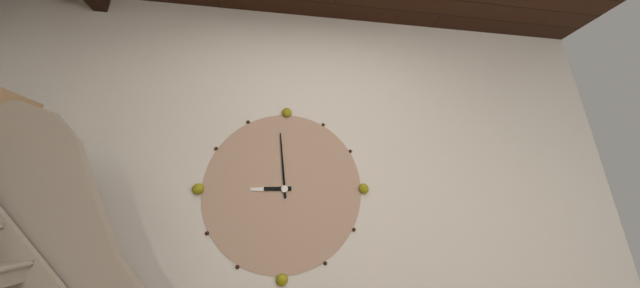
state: 8:59
